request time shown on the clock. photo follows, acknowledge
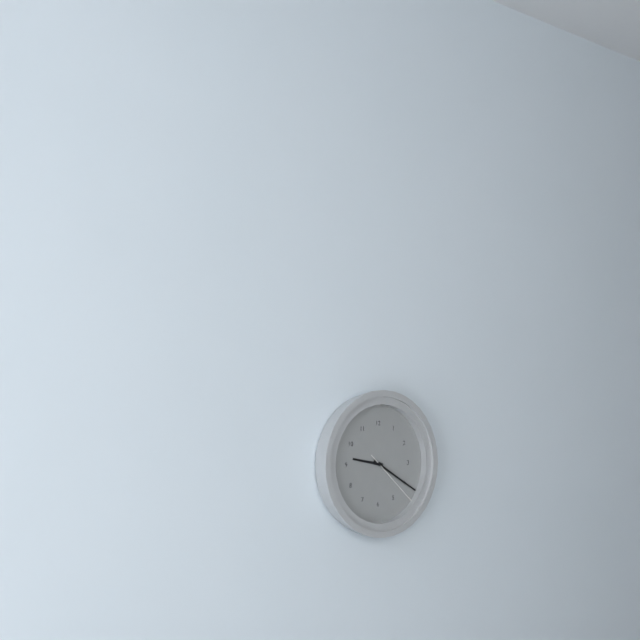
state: 9:20:22
